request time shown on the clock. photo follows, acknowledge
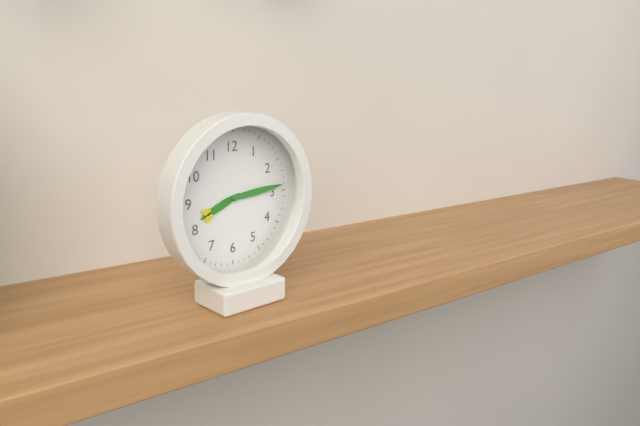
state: 8:14
